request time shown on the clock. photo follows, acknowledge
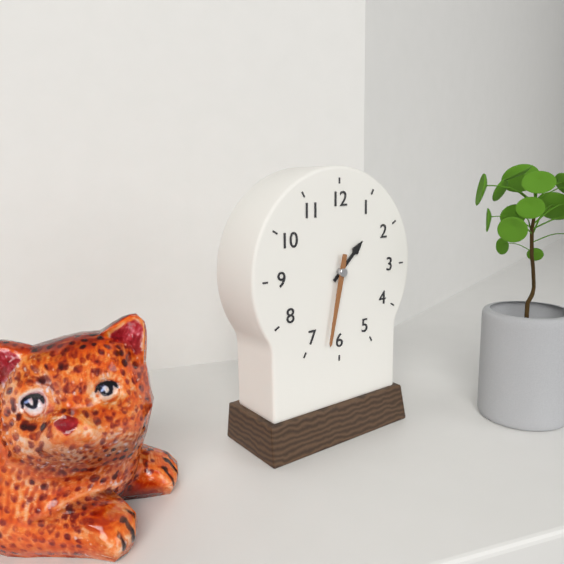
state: 1:32
